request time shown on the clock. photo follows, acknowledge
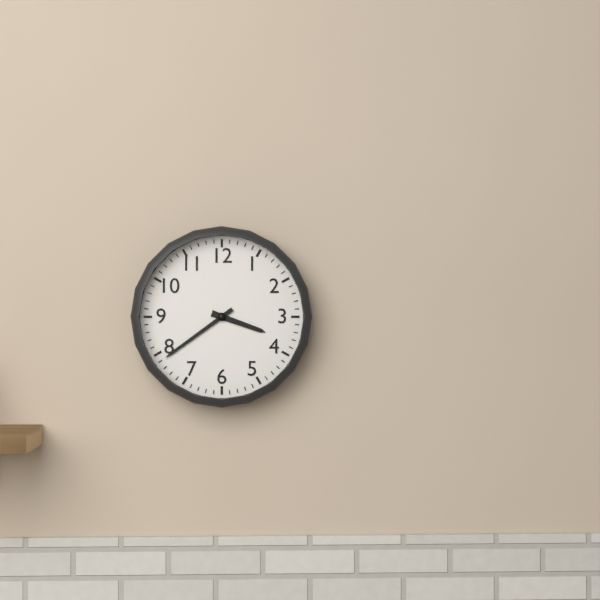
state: 3:39
